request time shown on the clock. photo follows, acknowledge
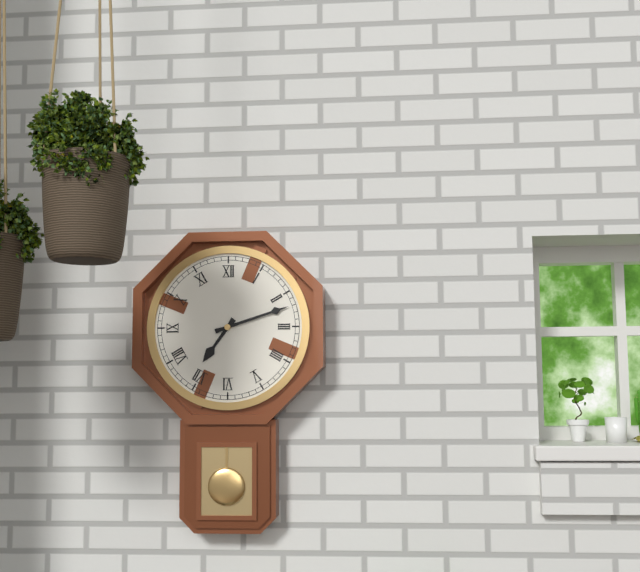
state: 7:12
